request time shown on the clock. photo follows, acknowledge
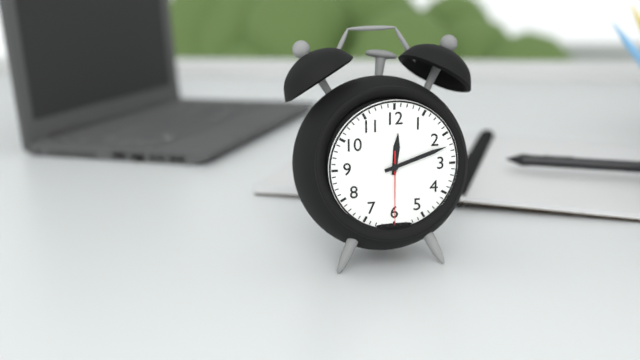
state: 12:12:30
